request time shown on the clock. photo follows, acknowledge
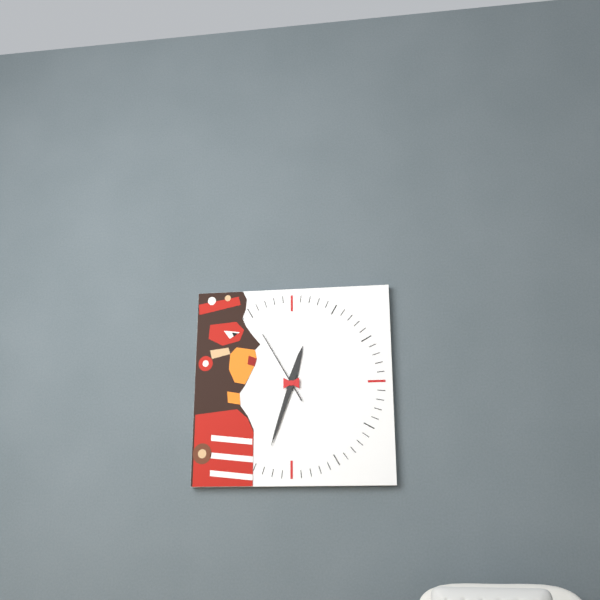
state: 12:33:55
